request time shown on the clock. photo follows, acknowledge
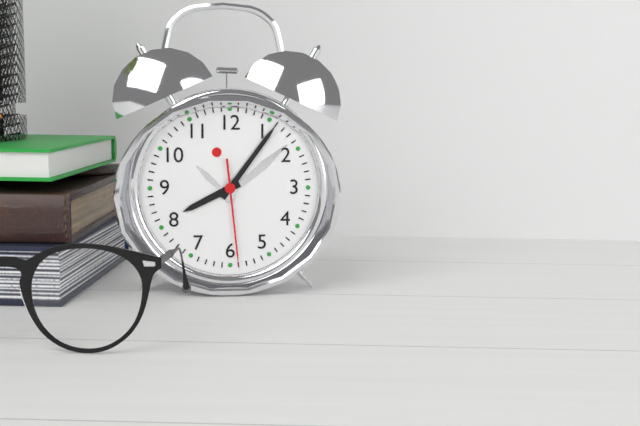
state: 8:06:29
